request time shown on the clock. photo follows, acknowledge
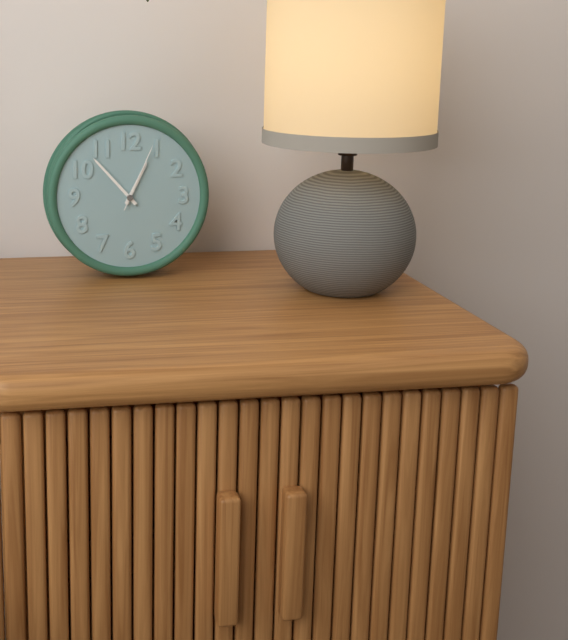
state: 12:53:04
